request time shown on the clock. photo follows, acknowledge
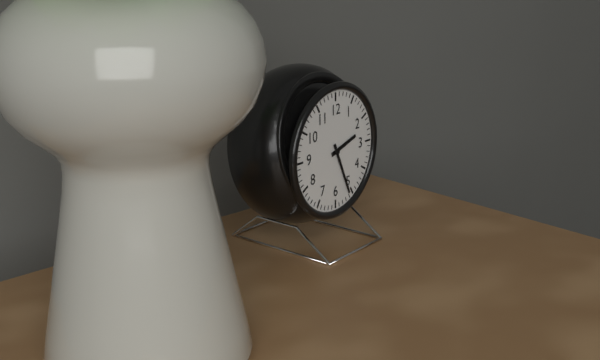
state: 2:26
